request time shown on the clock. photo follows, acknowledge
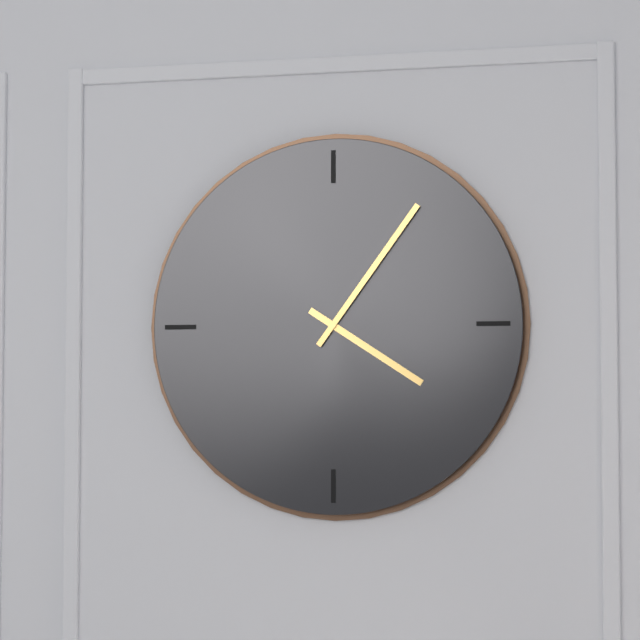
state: 4:06
